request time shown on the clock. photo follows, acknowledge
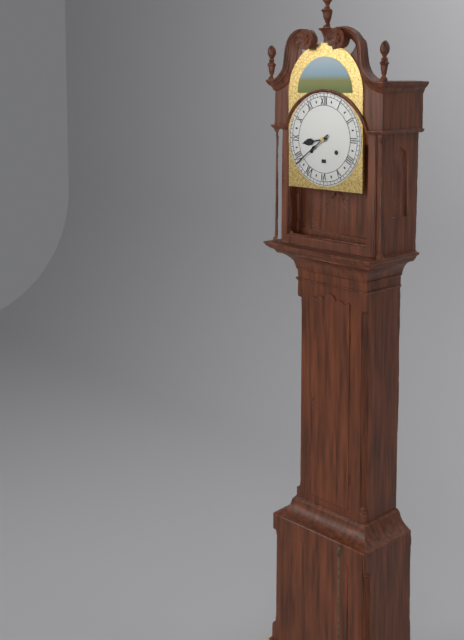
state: 8:39
